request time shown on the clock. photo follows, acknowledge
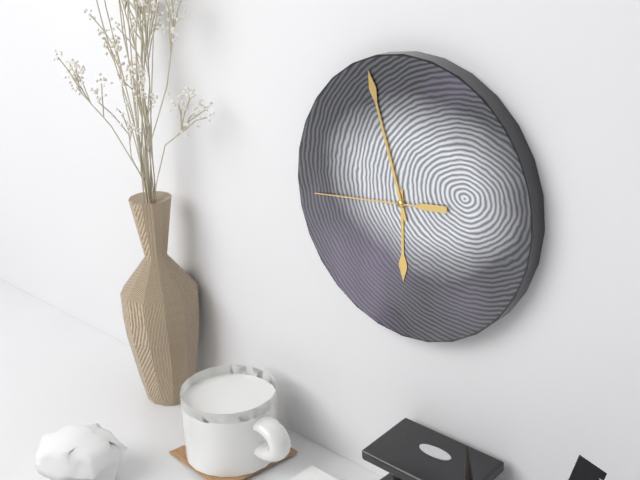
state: 5:57:44
